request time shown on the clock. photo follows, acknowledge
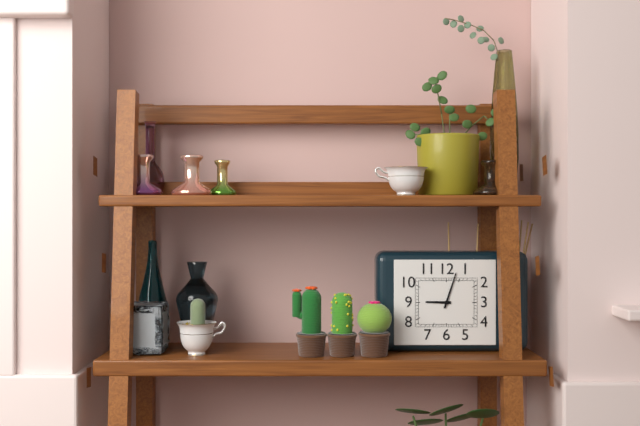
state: 9:03
